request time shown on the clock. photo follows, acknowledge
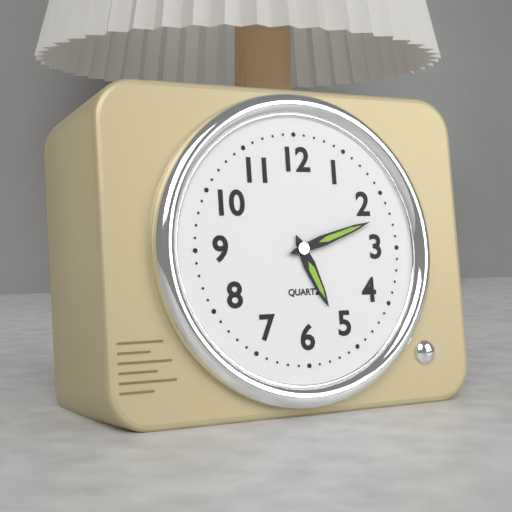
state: 5:12
